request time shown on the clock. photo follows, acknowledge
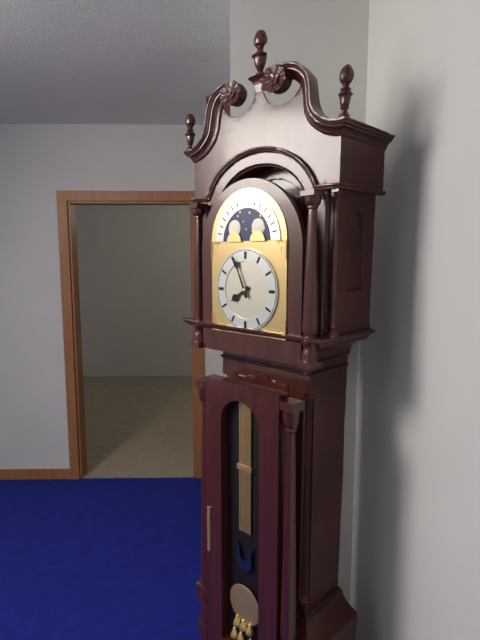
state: 7:56
